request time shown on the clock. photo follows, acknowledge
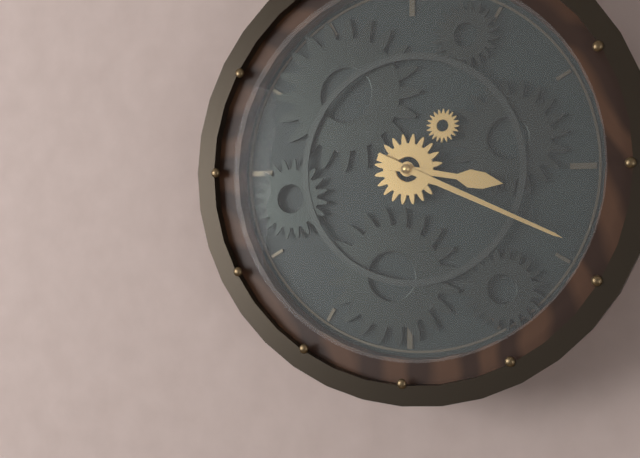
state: 3:19
